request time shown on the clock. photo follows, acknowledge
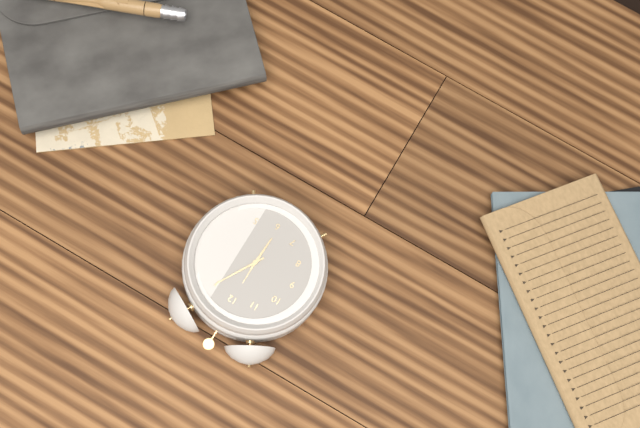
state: 6:05
